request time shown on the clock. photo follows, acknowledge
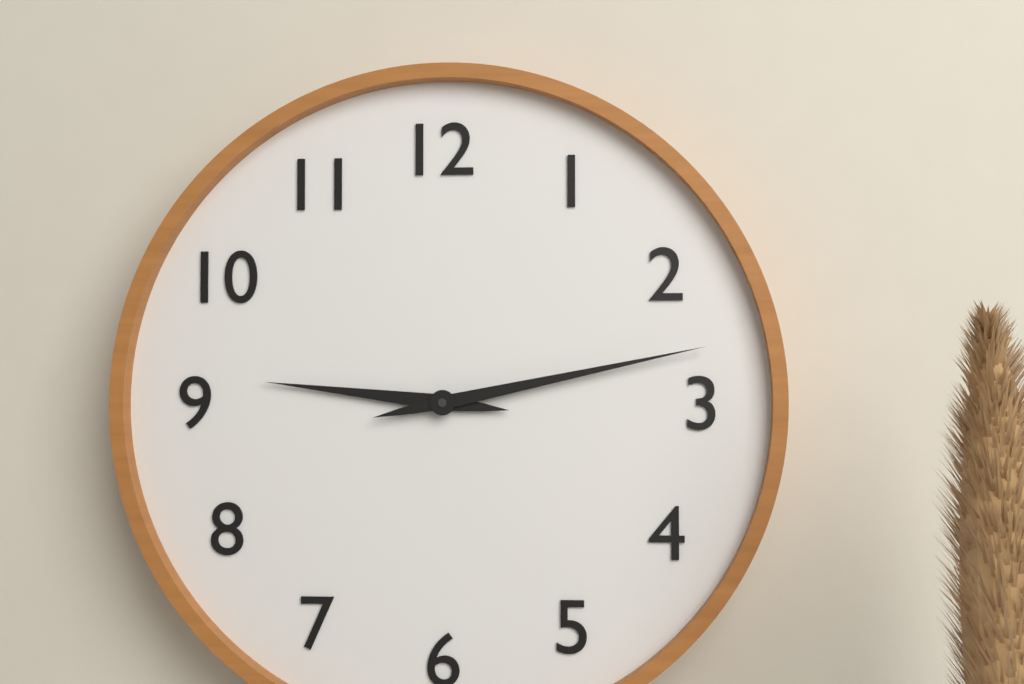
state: 9:13
